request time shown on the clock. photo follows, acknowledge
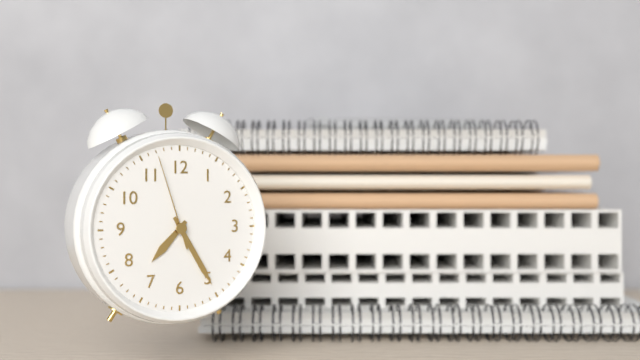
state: 7:25:57
